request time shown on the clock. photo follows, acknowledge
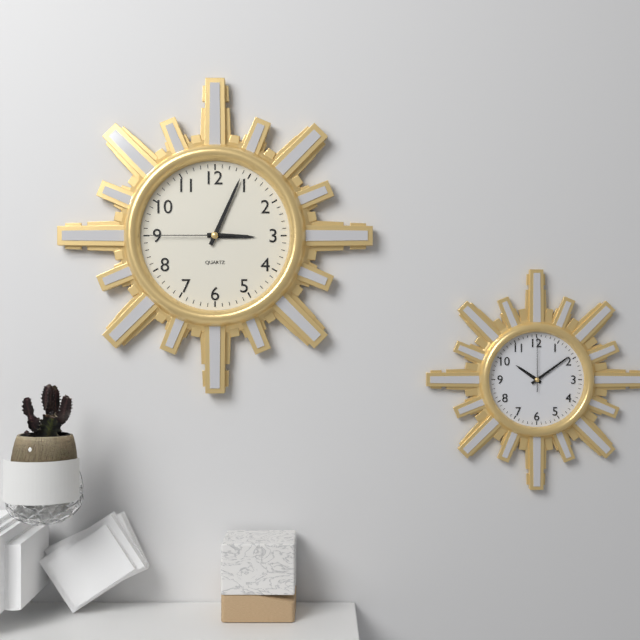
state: 3:04:45
